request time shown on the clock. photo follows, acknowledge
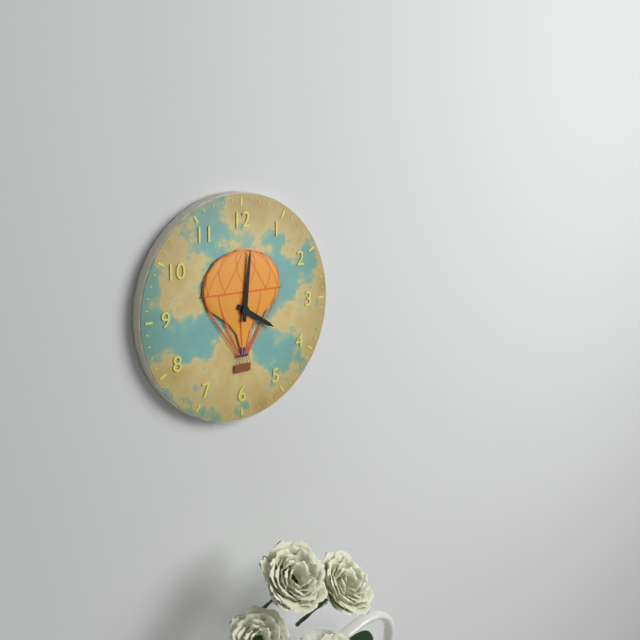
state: 4:01
